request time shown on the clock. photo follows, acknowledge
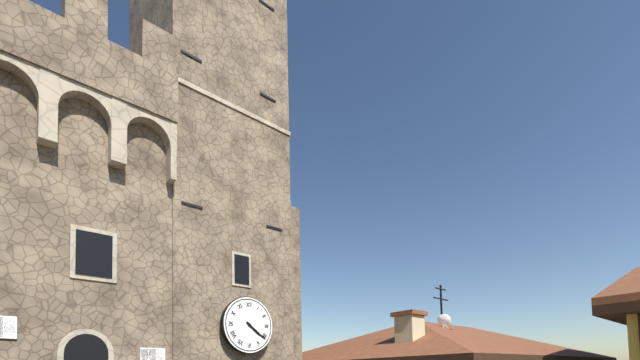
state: 4:21
